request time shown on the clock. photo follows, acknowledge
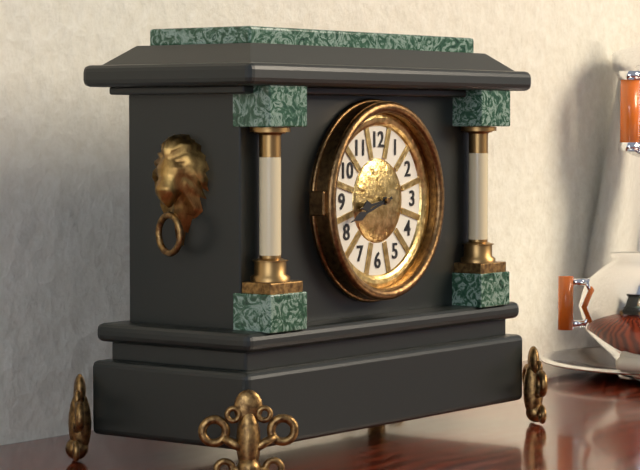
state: 8:42
